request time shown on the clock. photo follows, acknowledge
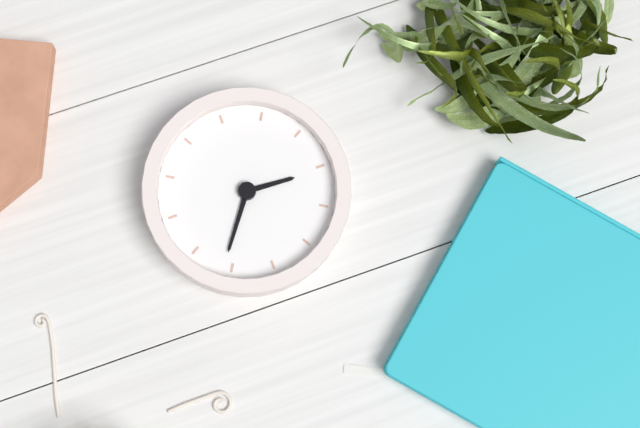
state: 9:06
